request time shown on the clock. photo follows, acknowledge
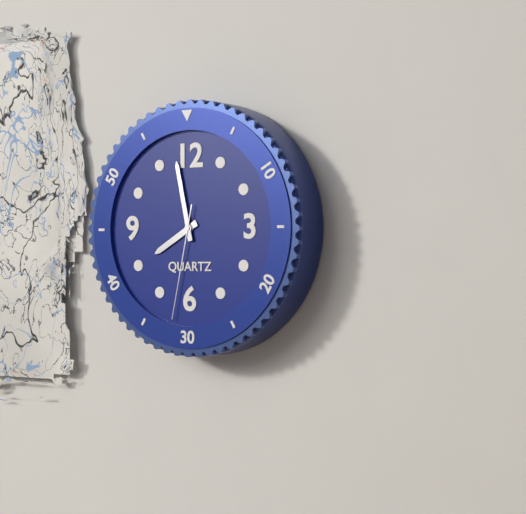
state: 7:58:32
